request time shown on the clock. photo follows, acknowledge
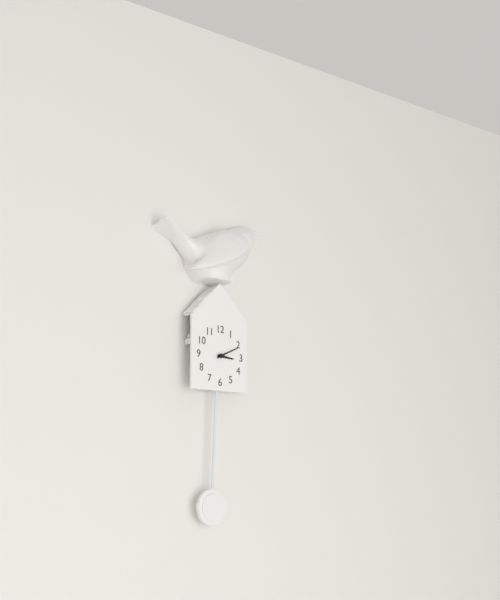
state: 3:11
